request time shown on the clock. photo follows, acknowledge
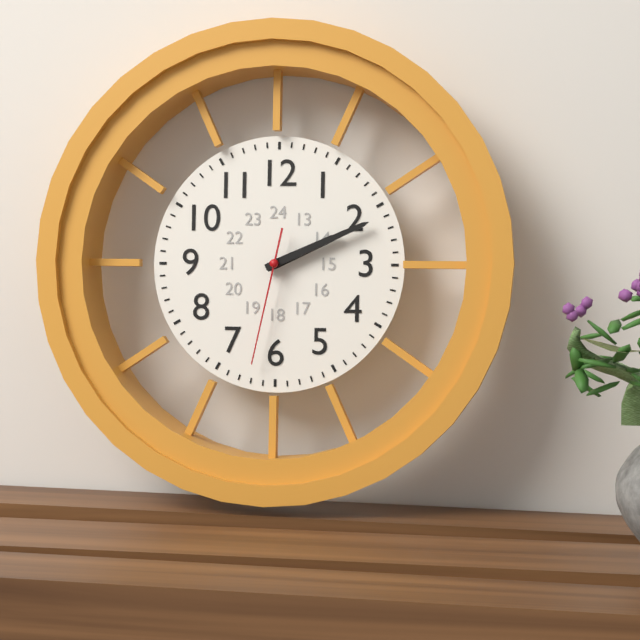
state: 2:11:32
